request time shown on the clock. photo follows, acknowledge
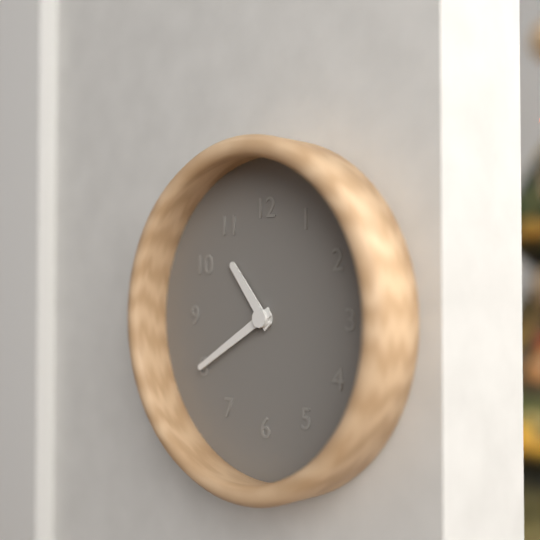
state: 10:40
